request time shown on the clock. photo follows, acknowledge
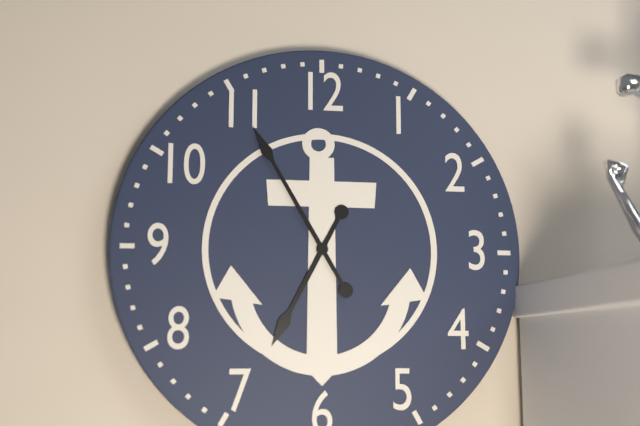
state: 6:55
